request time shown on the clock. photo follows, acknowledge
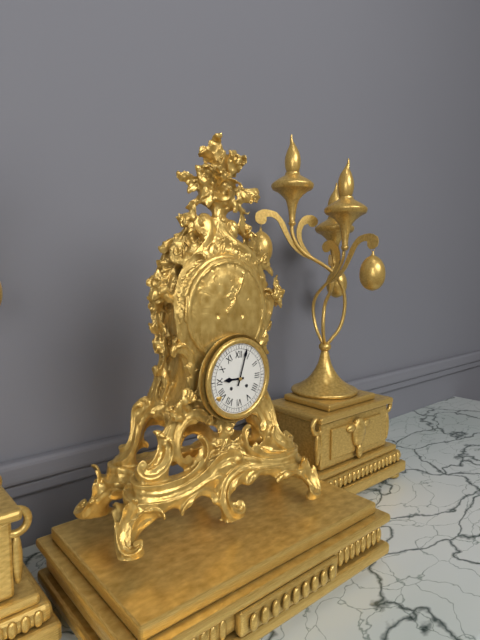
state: 9:03
